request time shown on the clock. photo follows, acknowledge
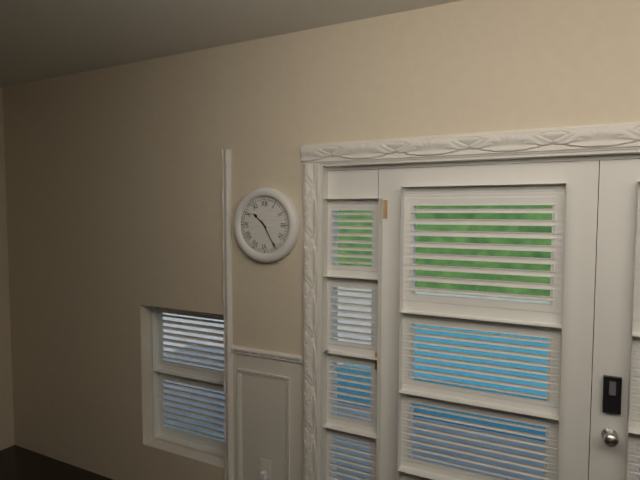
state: 10:25
